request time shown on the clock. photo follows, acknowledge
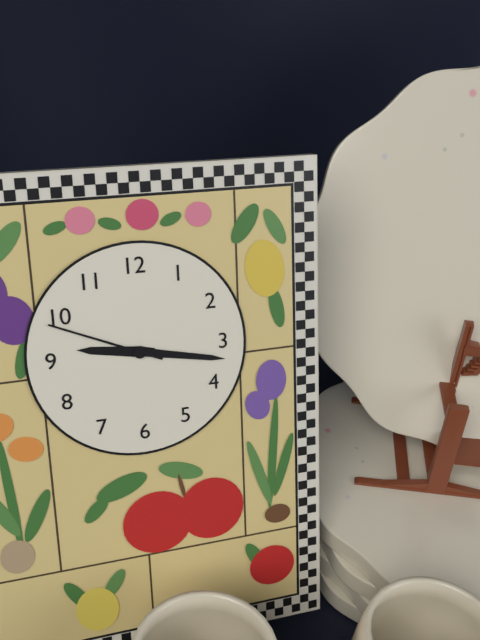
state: 9:17:49
